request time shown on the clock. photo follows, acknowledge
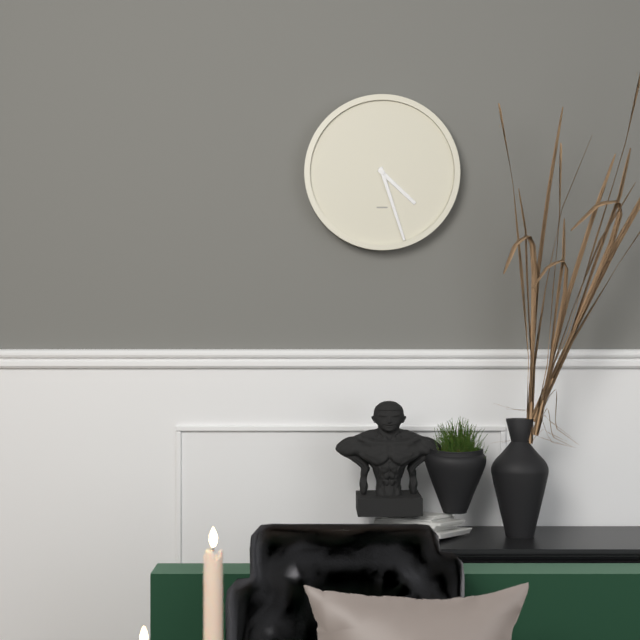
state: 4:27
